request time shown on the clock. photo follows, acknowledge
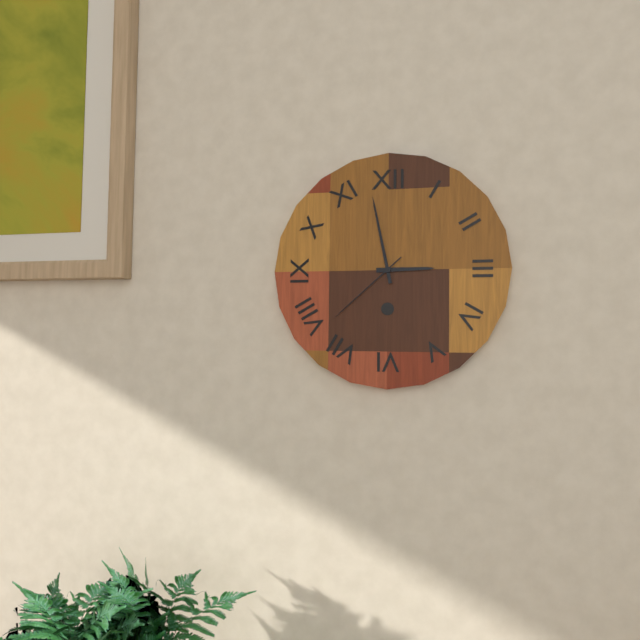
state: 2:58:38
